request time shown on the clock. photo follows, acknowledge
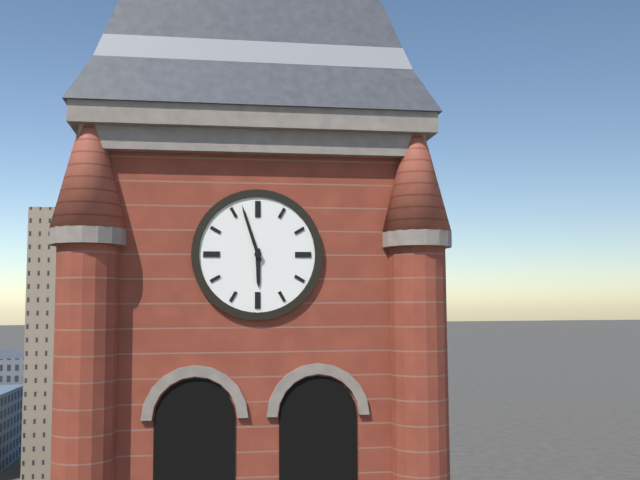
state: 5:57
